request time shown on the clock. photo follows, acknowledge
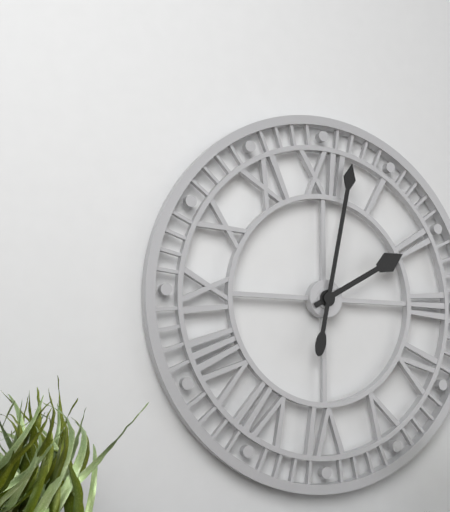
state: 2:02
